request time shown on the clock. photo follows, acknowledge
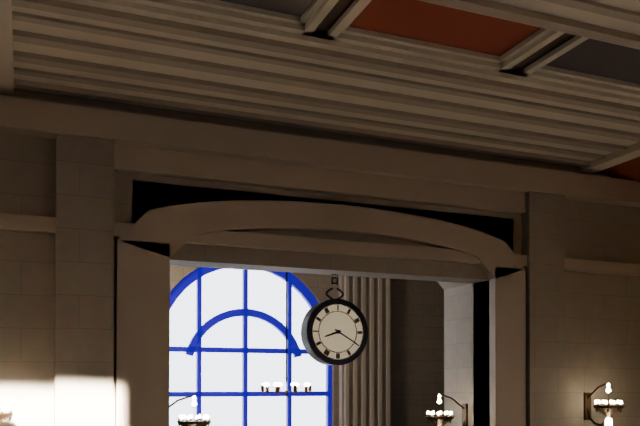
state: 8:20
